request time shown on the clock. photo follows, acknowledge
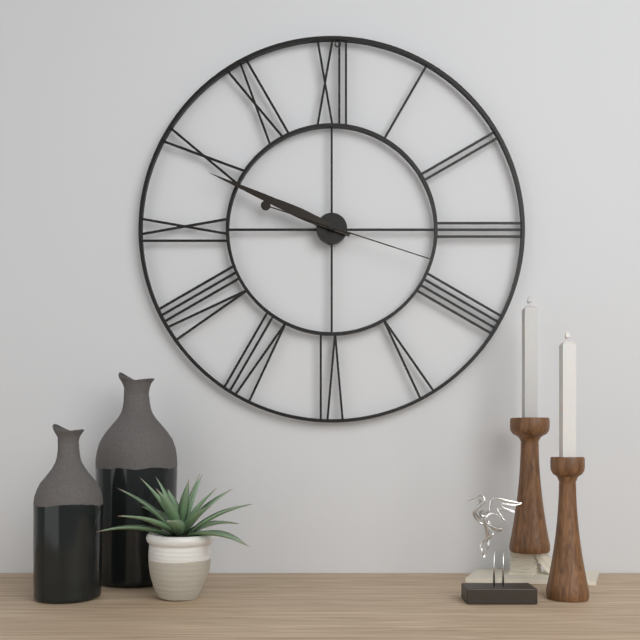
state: 9:49:18
